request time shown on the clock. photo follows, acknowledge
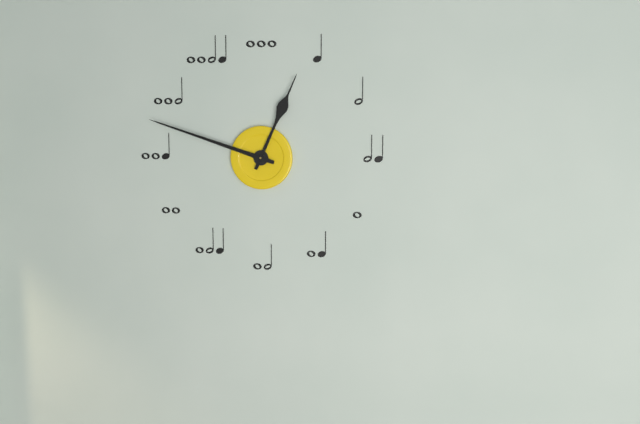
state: 12:48
